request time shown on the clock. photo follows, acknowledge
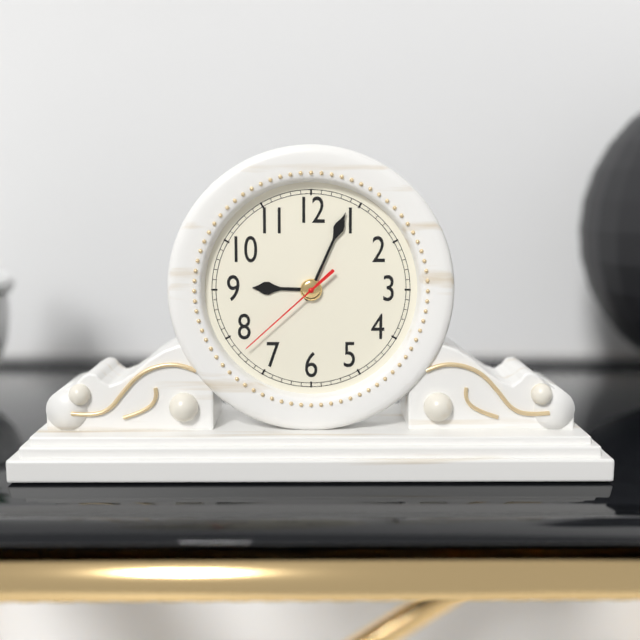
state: 9:04:38
